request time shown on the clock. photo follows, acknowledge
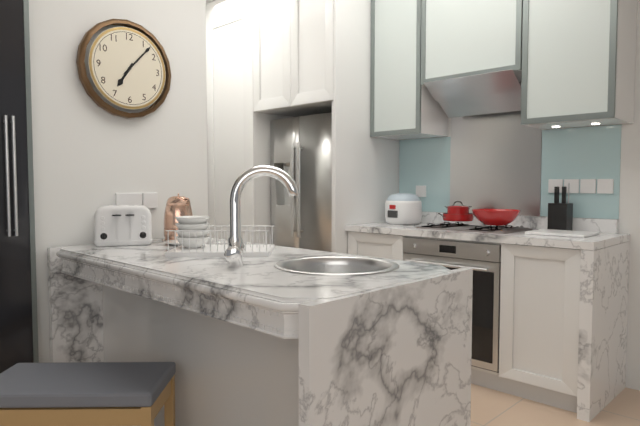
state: 7:07
